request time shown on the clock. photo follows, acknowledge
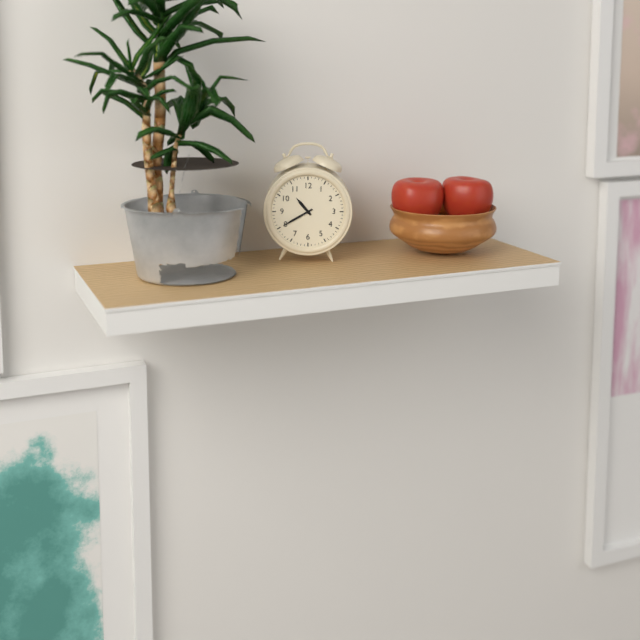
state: 10:40
